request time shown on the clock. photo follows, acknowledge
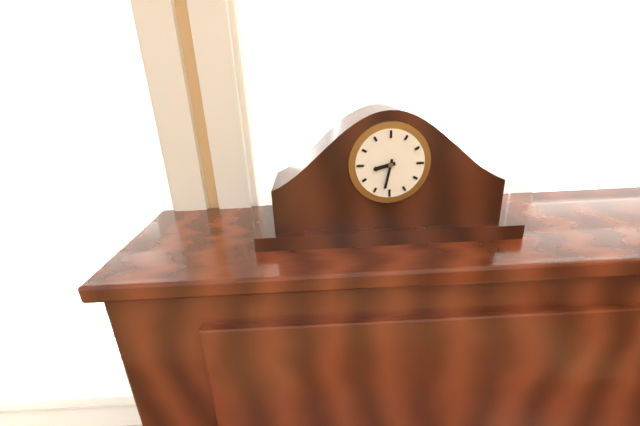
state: 8:32
